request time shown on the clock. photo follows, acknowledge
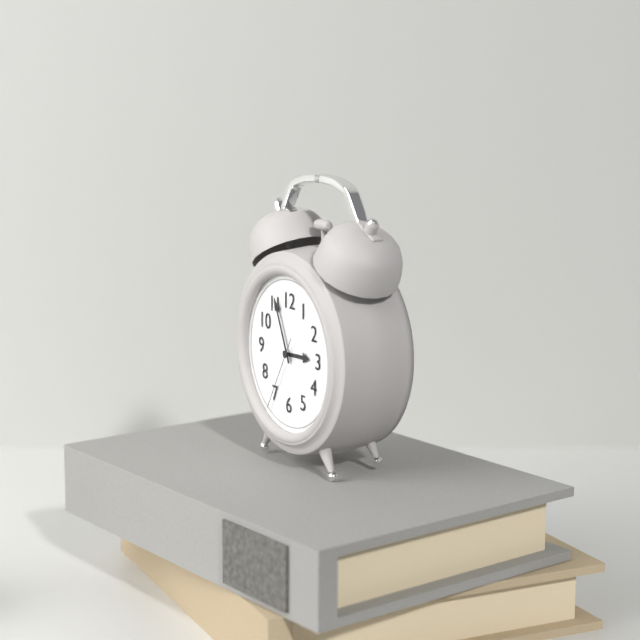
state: 2:56:35
